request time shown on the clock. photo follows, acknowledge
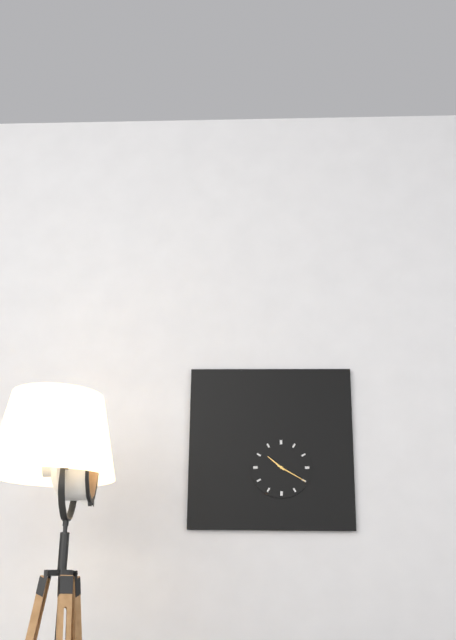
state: 10:20
